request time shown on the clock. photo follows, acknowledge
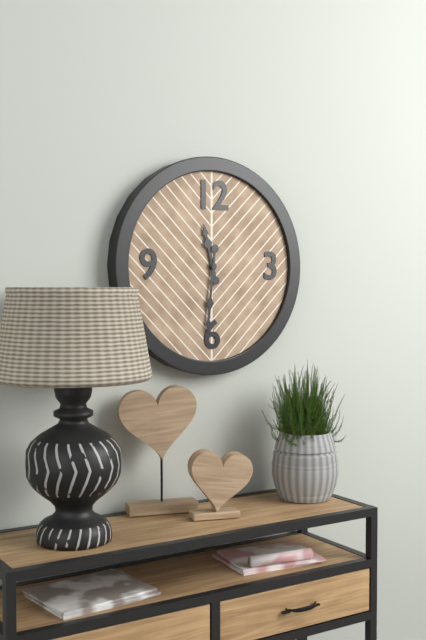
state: 11:31
